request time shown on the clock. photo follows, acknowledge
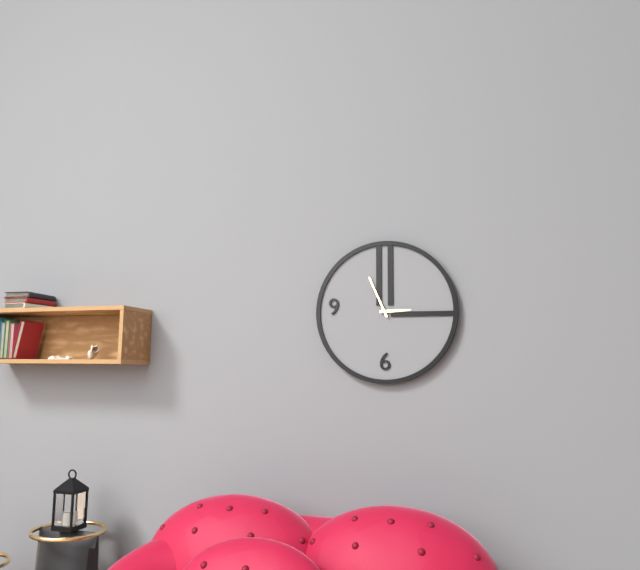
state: 2:56
